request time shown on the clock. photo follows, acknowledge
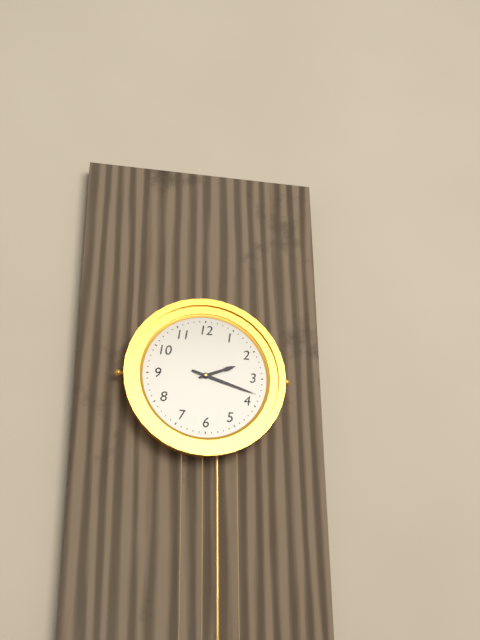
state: 2:18
